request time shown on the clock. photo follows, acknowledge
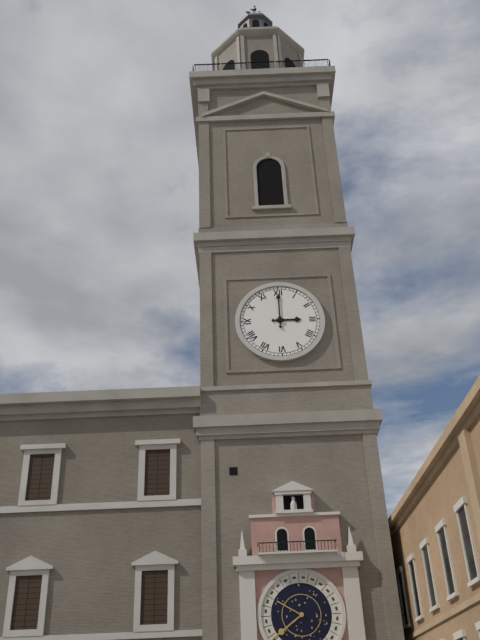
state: 3:00
